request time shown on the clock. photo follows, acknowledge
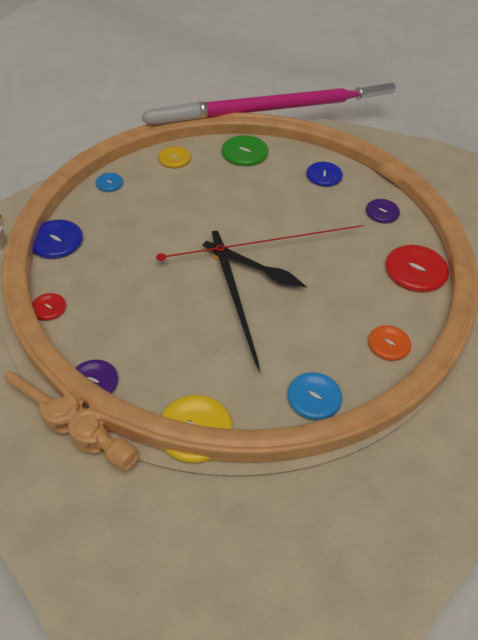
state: 8:52:37
